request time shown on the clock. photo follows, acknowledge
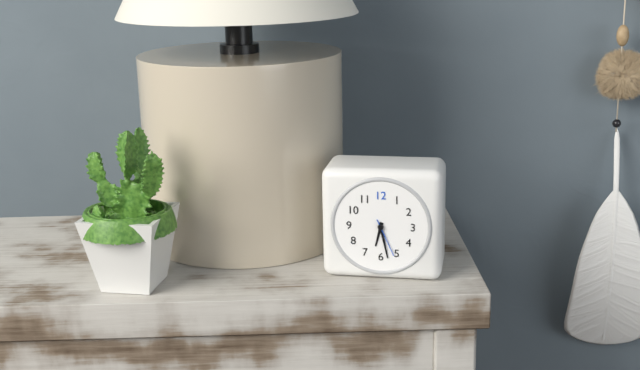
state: 6:28
